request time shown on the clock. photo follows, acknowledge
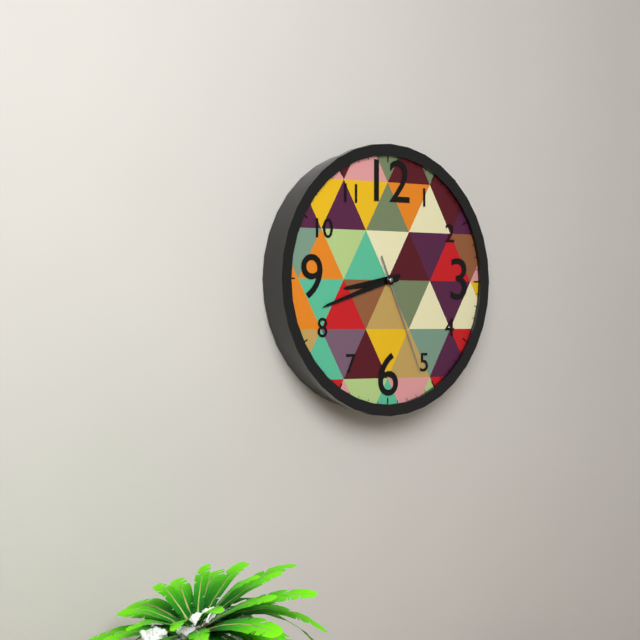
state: 8:42:26
